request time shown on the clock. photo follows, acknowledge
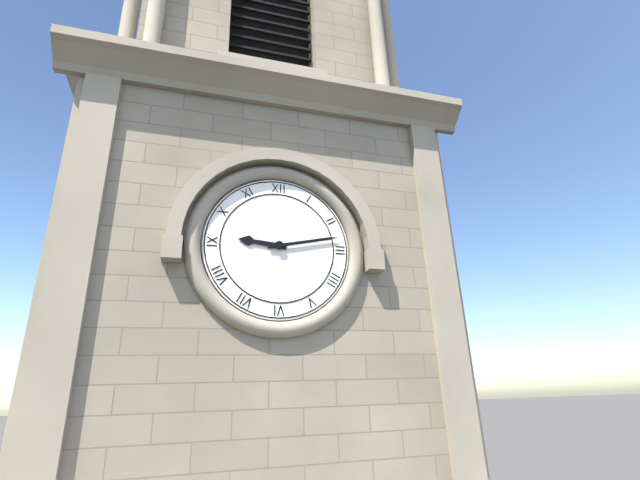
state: 9:13
